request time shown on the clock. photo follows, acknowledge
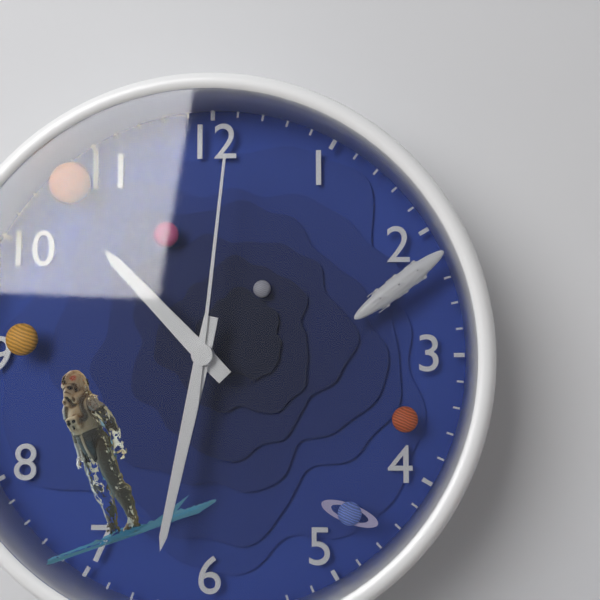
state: 10:32:01
